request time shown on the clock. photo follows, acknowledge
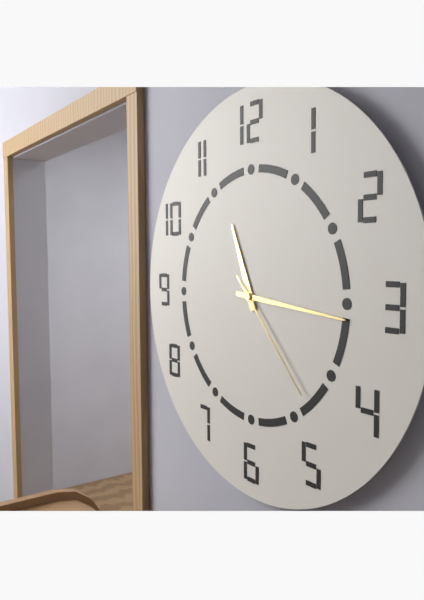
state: 11:16:23
